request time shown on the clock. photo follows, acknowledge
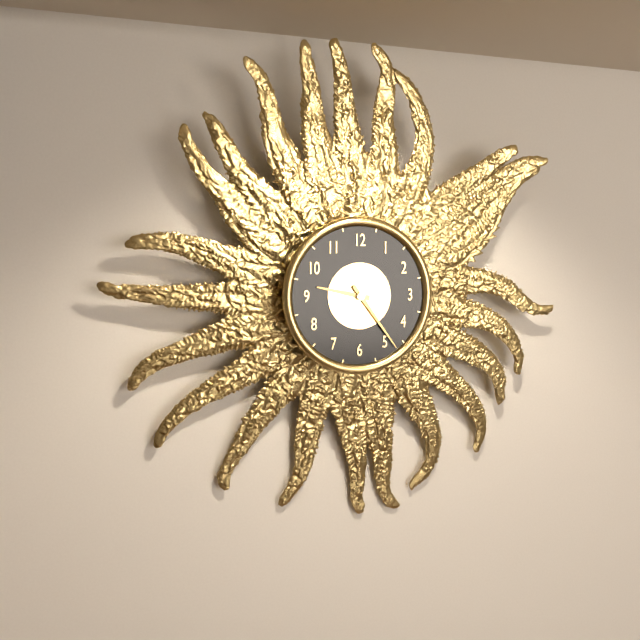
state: 9:24
